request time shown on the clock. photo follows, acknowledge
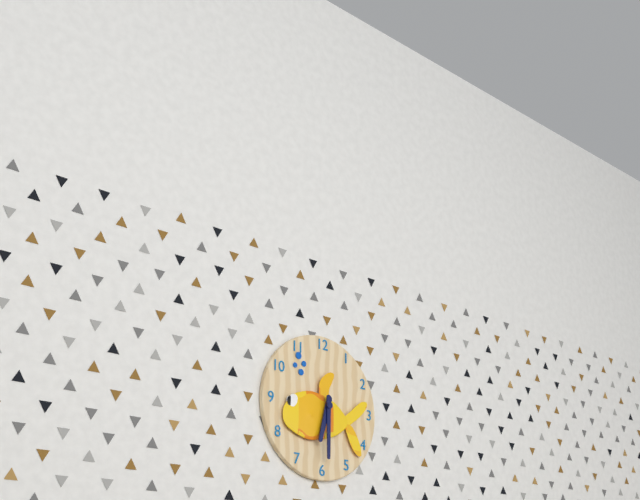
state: 6:30
